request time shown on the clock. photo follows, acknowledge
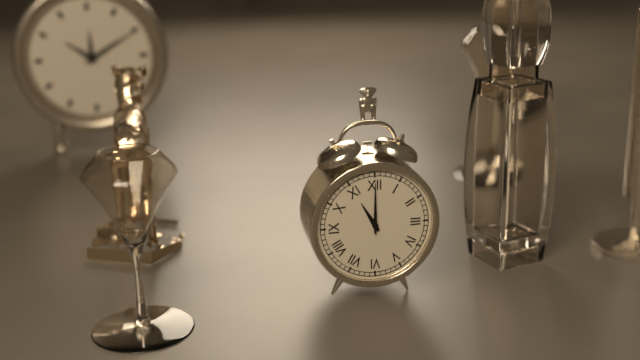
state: 11:00
